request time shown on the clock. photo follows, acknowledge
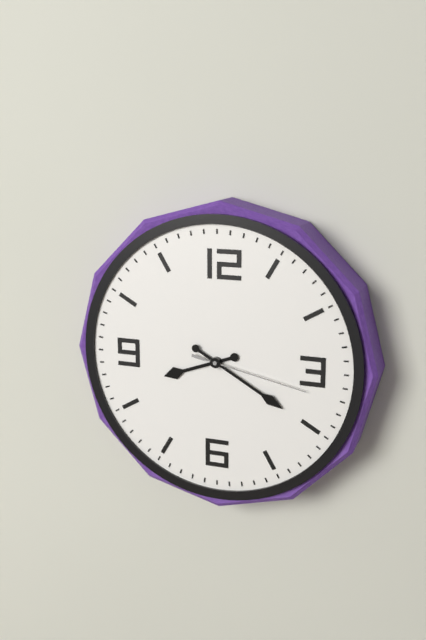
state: 8:20:17
